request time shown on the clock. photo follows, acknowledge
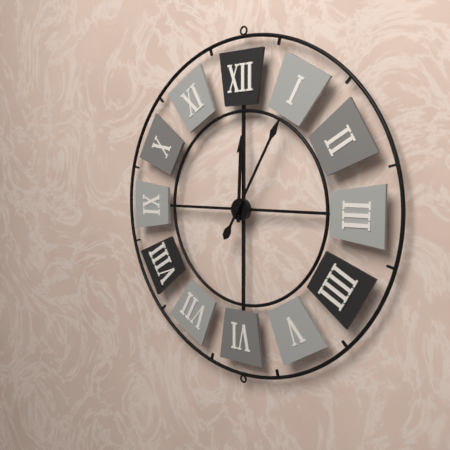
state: 12:05
